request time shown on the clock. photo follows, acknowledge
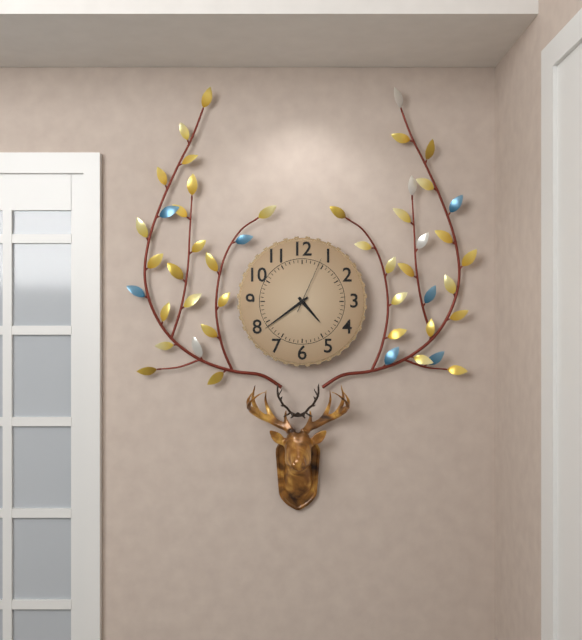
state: 4:39:04
